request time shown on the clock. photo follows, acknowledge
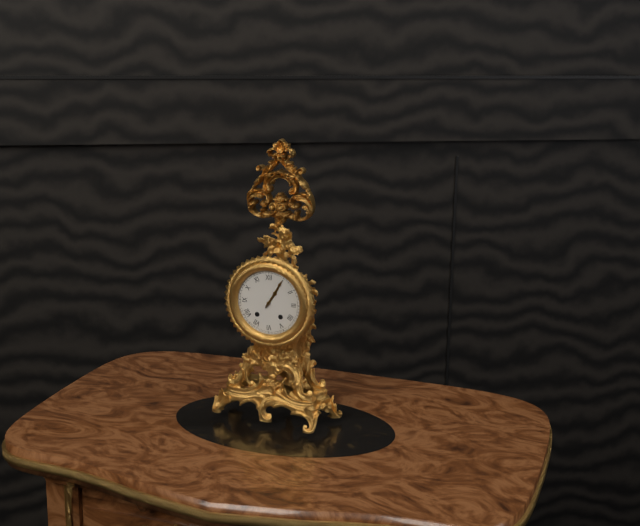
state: 1:05
